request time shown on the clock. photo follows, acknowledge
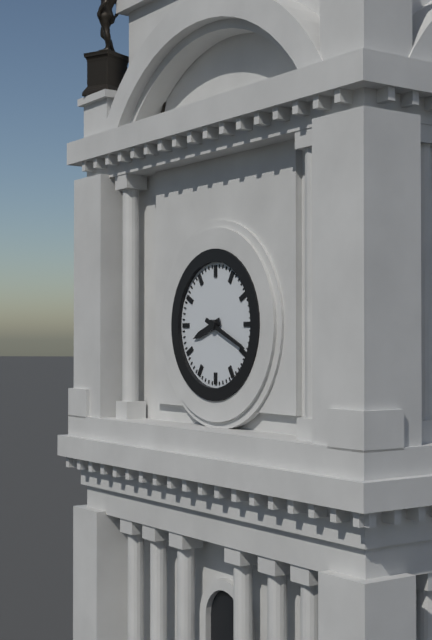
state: 8:19
